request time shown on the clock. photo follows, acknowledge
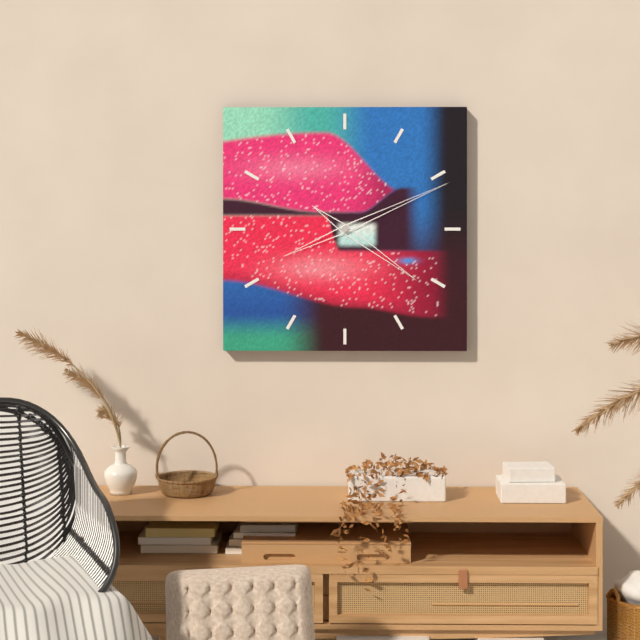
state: 4:11
